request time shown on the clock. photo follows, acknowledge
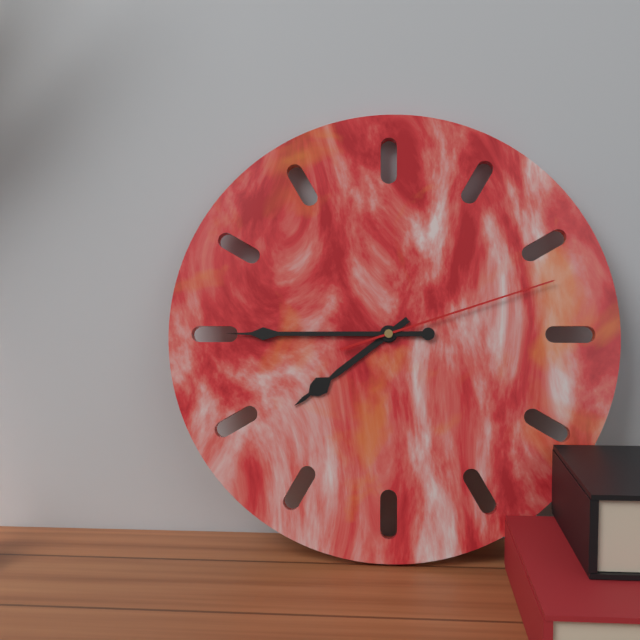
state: 7:45:12
